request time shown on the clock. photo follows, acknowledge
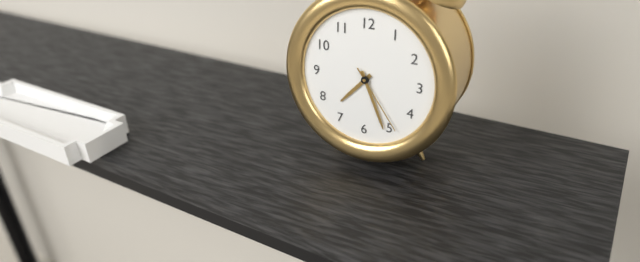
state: 7:26:24
